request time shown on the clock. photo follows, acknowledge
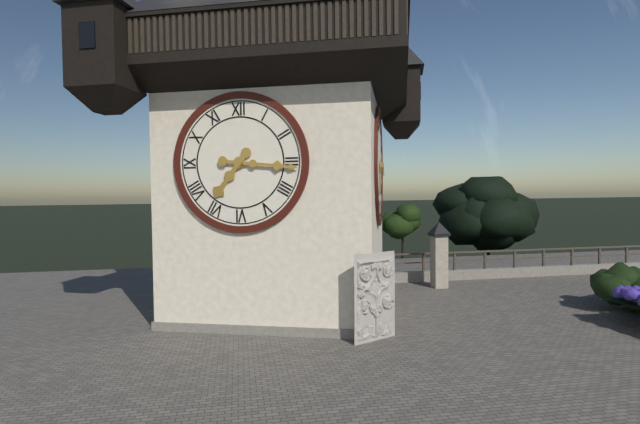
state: 7:16
